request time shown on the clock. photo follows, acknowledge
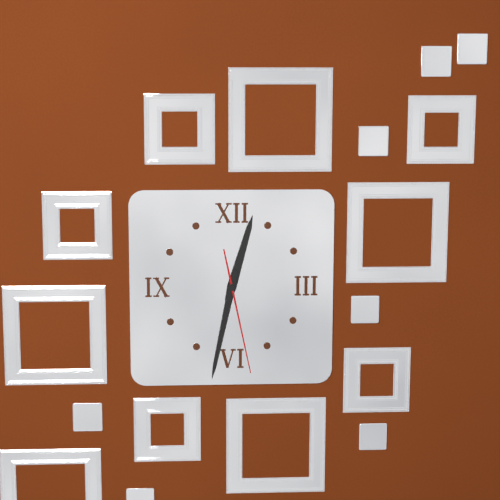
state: 12:32:28
